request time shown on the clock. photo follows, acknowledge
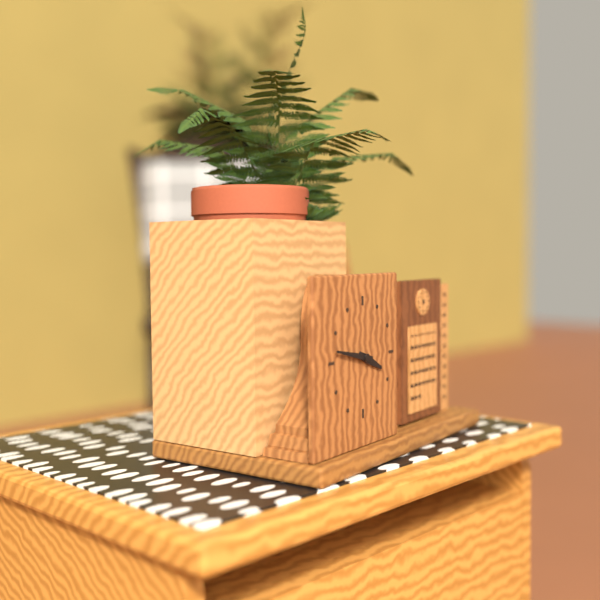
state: 3:47
